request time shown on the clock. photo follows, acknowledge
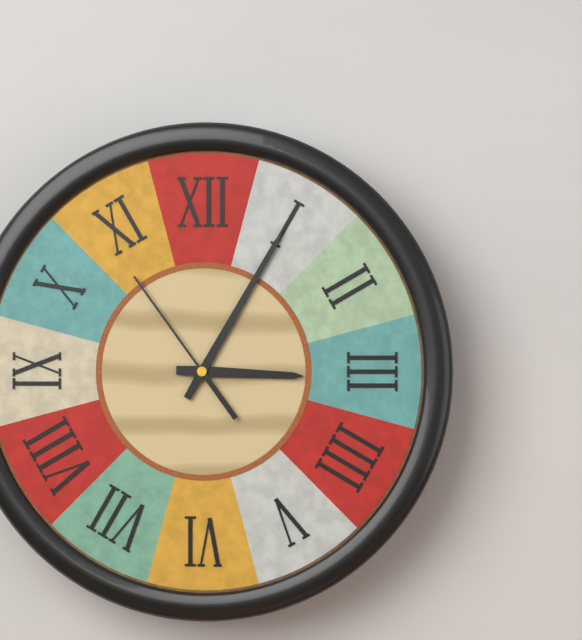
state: 3:05:54
